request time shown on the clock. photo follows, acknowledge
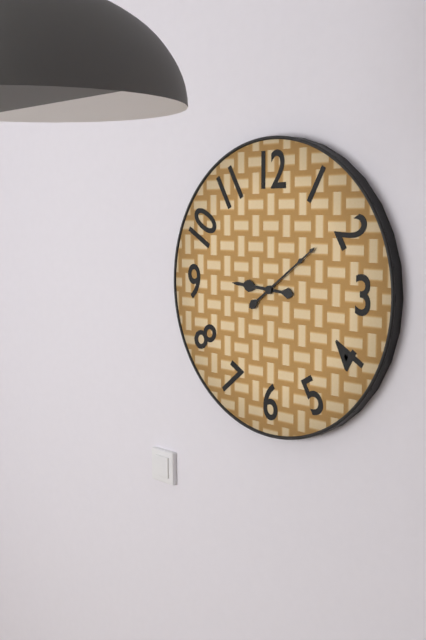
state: 9:09
